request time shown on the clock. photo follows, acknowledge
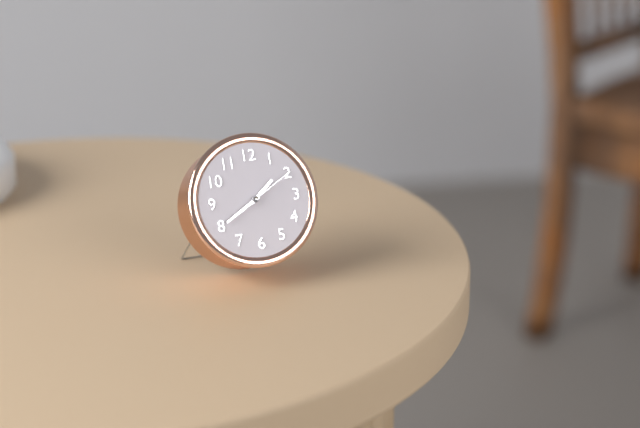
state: 1:40:10
